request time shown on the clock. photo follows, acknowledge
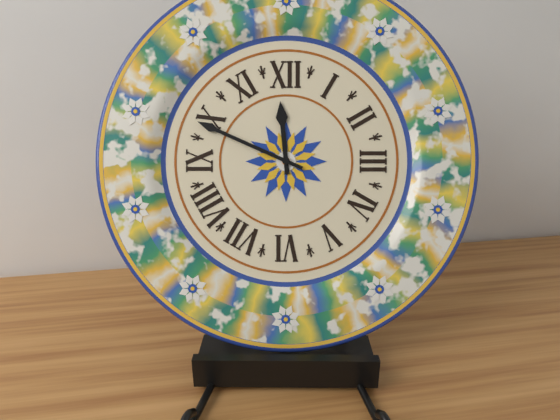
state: 11:49
